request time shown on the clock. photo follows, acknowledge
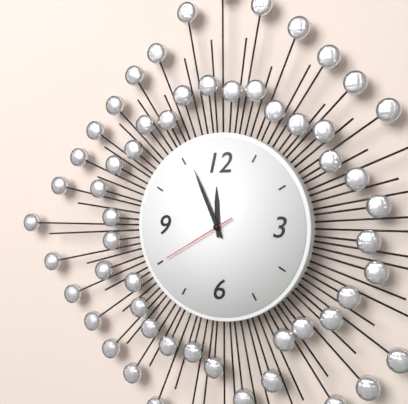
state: 11:56:40
